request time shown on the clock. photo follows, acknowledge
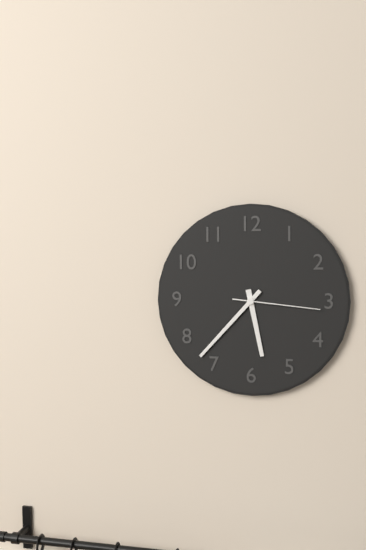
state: 5:37:16
